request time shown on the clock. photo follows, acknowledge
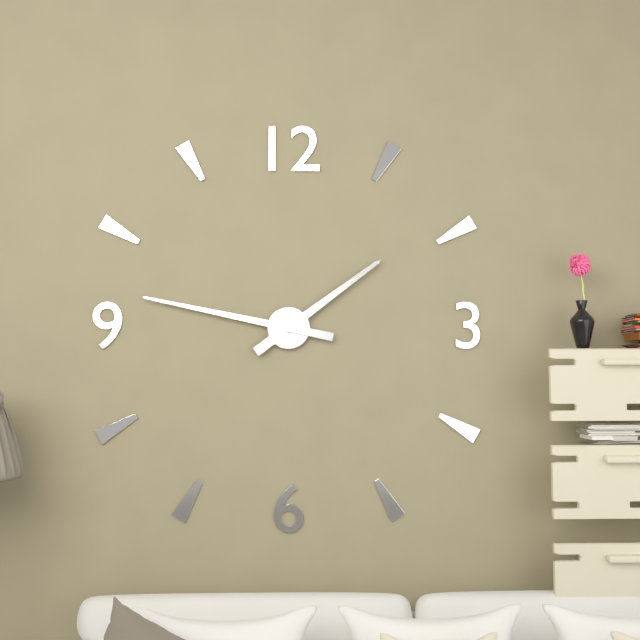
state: 1:47
